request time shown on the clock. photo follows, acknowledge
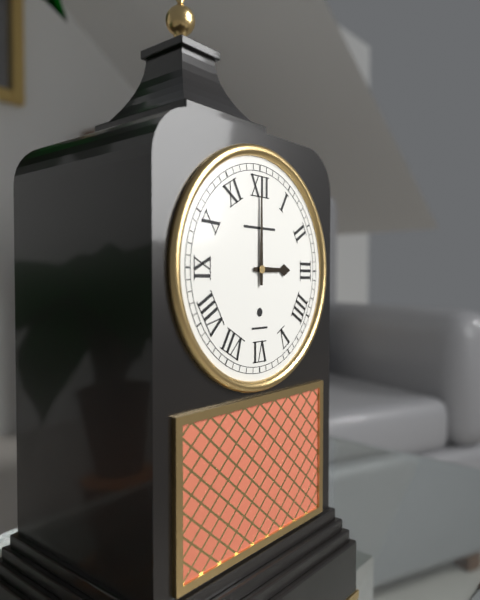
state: 3:00
